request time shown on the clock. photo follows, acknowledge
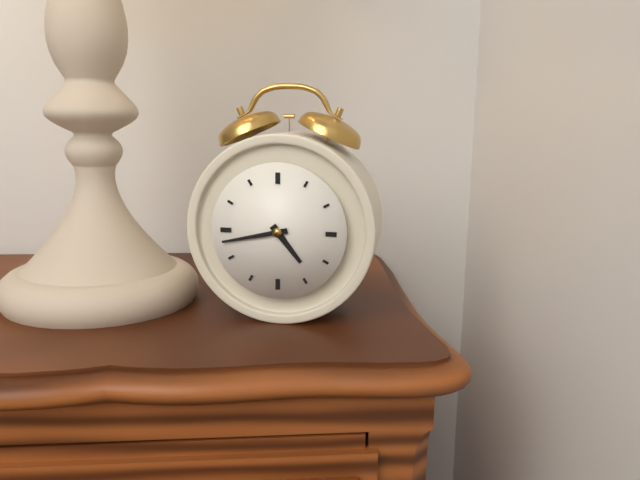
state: 4:43
